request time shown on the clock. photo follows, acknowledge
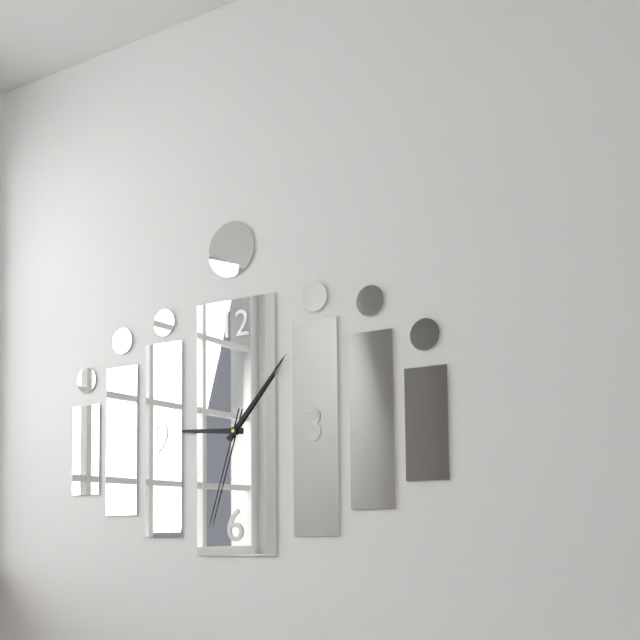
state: 9:07:33
